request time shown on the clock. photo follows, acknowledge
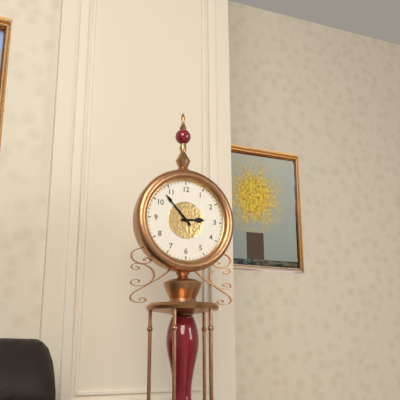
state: 2:53
